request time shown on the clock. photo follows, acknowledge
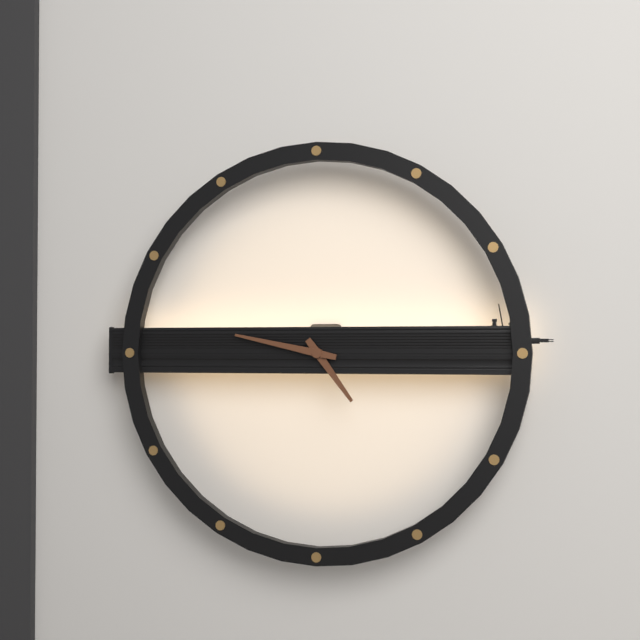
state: 4:47
